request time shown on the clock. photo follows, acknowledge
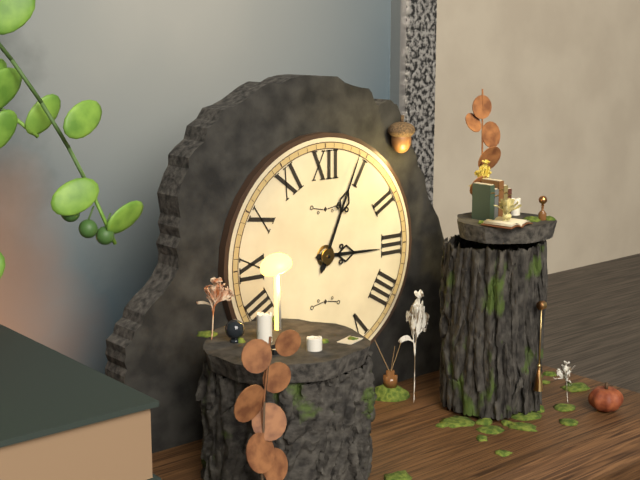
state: 3:04
